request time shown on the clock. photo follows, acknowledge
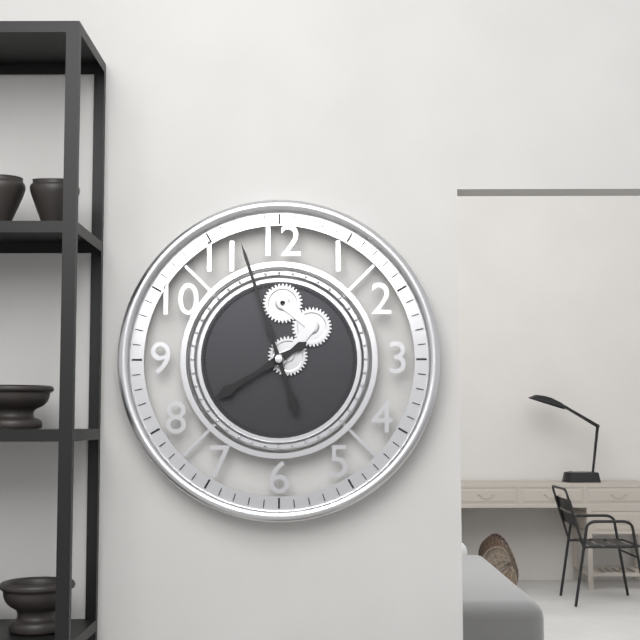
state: 7:57
